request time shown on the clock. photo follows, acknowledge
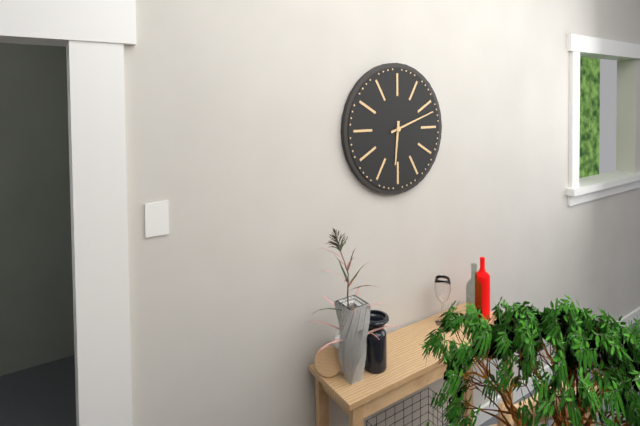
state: 6:12
